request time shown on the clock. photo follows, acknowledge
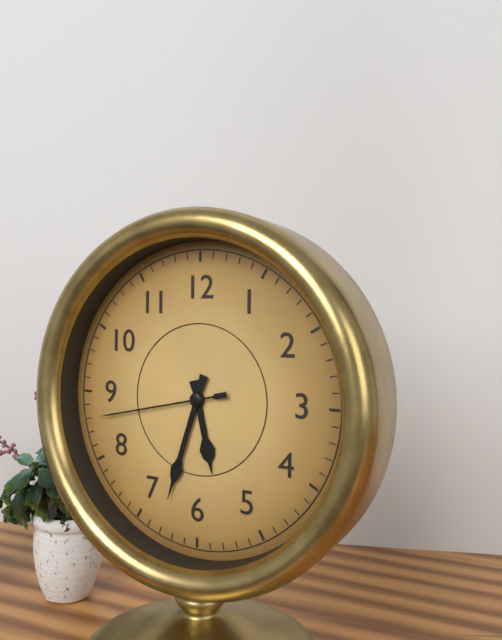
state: 5:33:43
